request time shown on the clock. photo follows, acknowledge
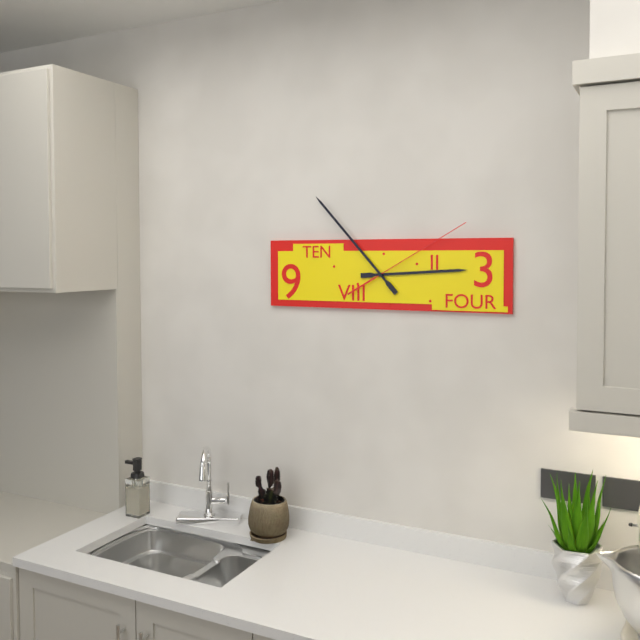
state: 2:53:10
